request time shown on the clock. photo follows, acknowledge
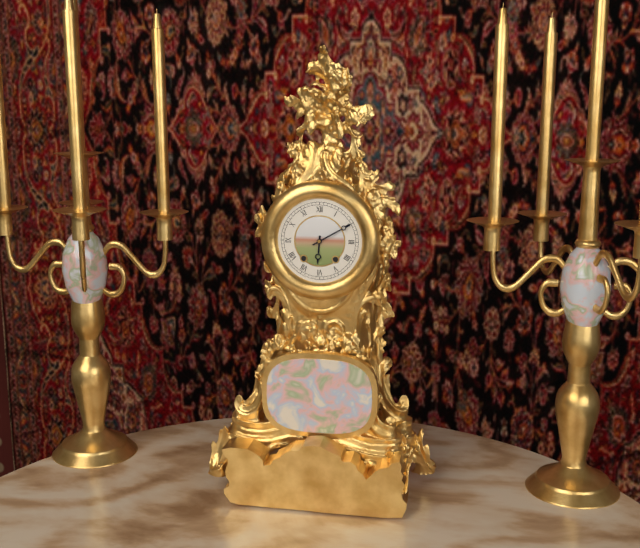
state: 6:10
